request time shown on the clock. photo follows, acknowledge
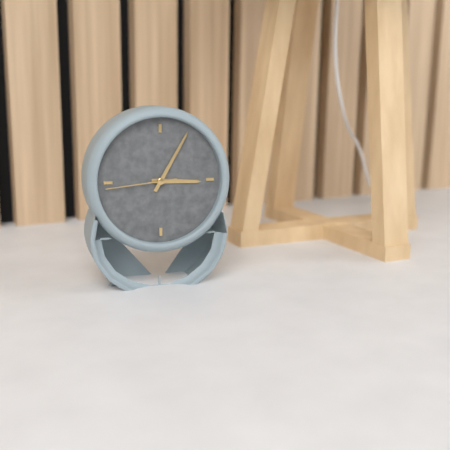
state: 3:05:44
